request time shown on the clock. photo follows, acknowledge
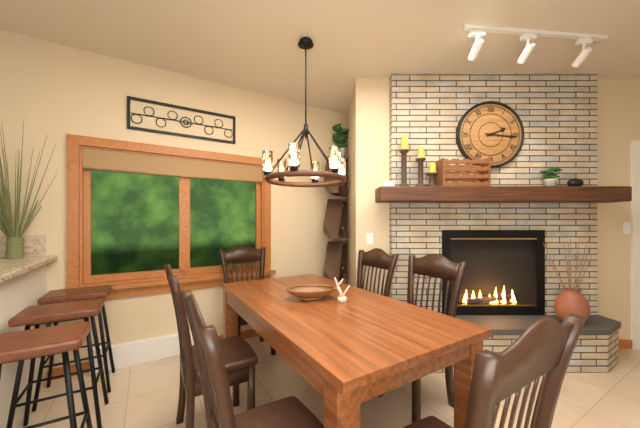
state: 2:16
